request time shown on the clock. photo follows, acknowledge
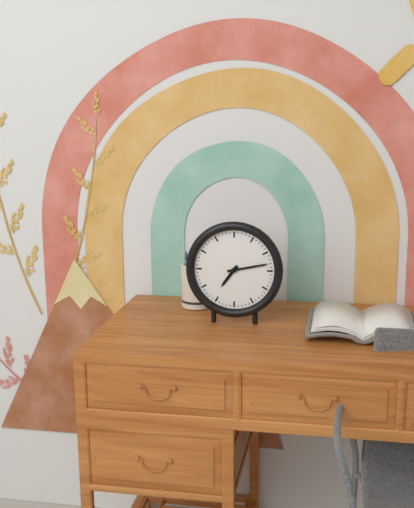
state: 7:13
